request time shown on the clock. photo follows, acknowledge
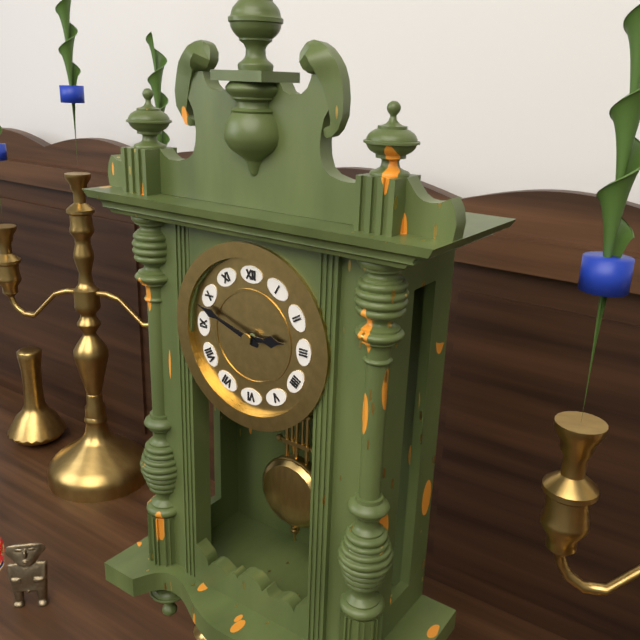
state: 2:48
